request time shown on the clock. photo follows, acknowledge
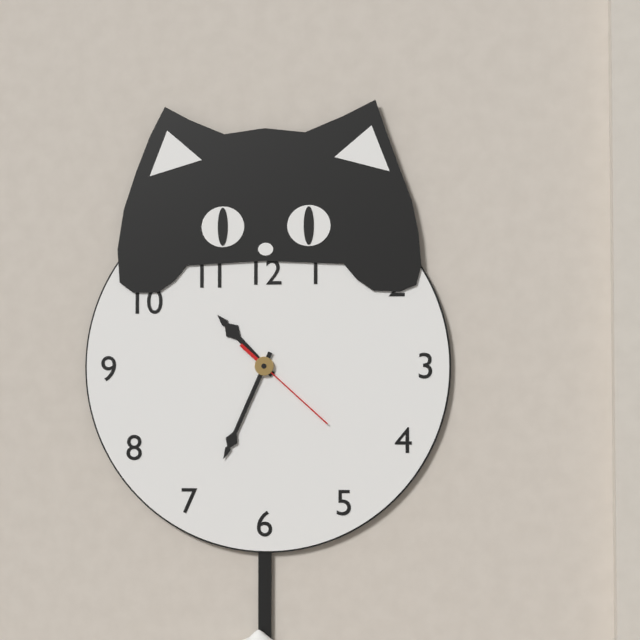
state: 10:34:22
